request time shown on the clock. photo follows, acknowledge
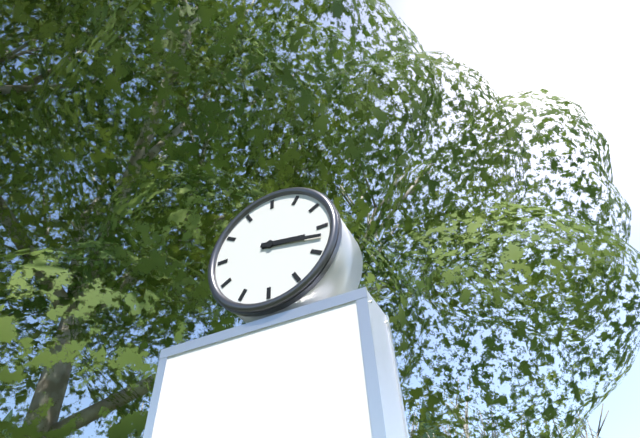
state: 3:17
